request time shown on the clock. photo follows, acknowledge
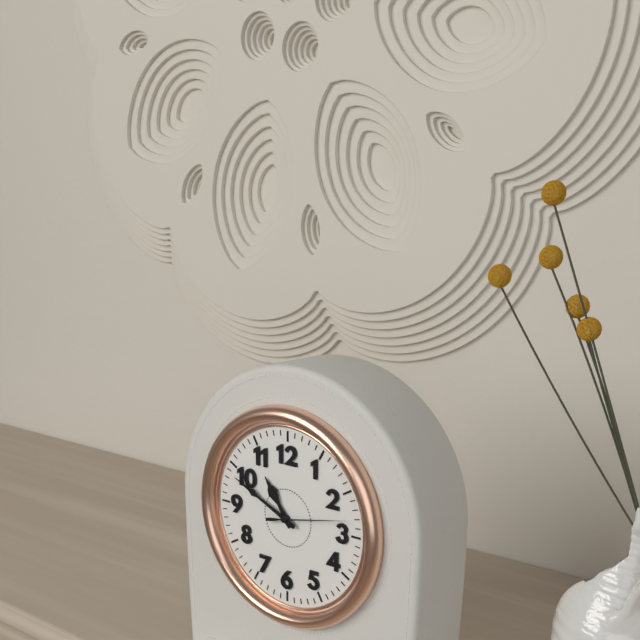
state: 10:49:13
